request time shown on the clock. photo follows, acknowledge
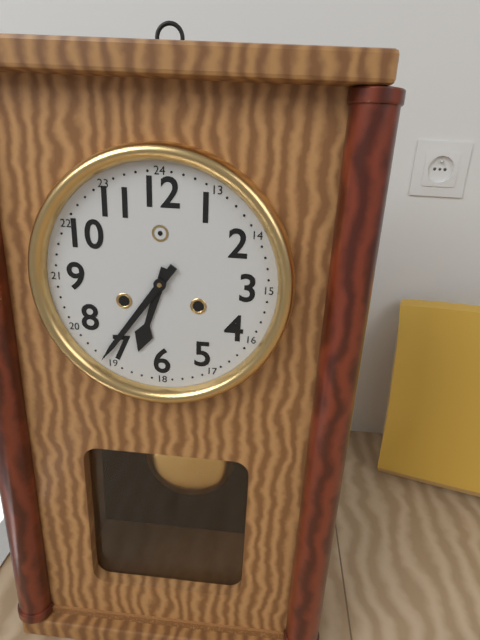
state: 6:36
